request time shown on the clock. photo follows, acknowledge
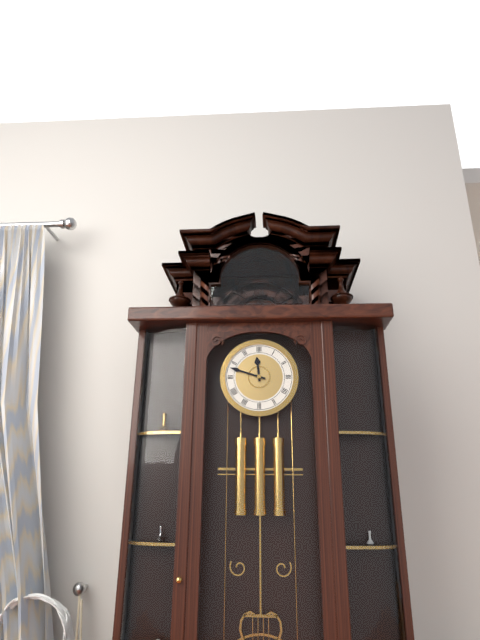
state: 11:48
